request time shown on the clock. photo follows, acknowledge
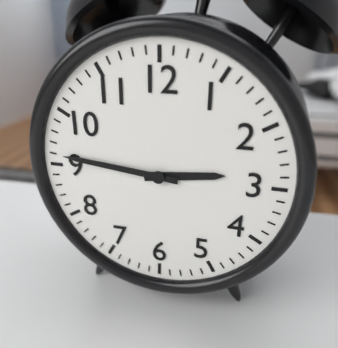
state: 2:46
